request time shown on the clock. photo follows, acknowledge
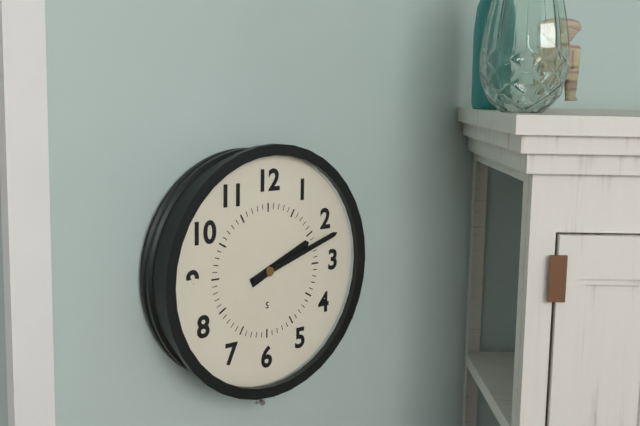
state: 2:12
